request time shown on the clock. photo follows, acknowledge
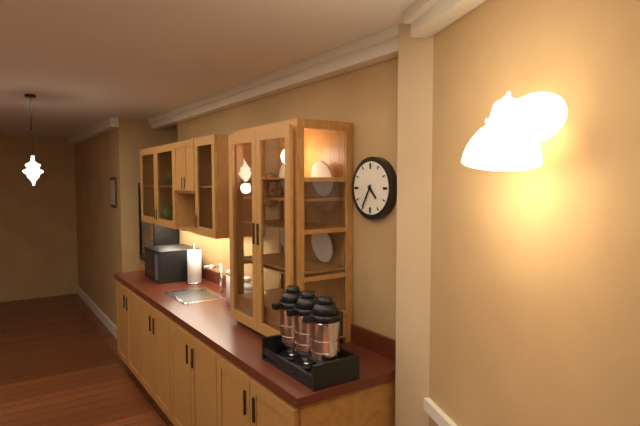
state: 4:35
